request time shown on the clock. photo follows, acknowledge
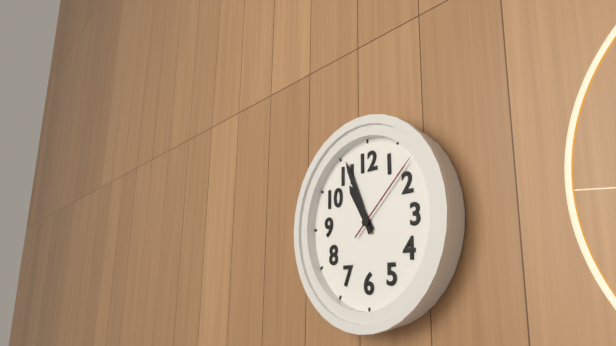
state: 10:56:08
